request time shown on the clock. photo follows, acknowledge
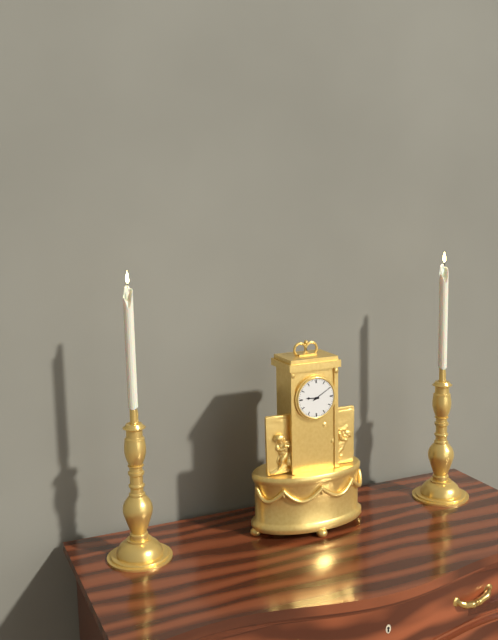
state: 9:10
